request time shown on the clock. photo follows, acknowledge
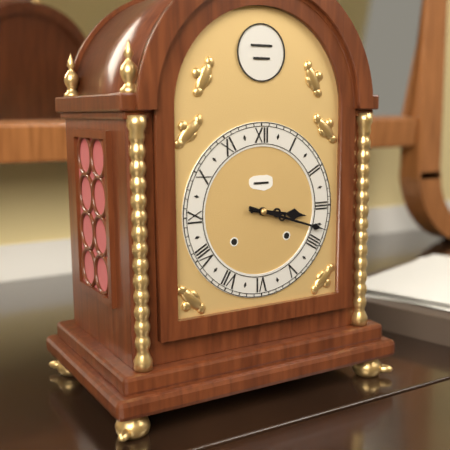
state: 3:18
